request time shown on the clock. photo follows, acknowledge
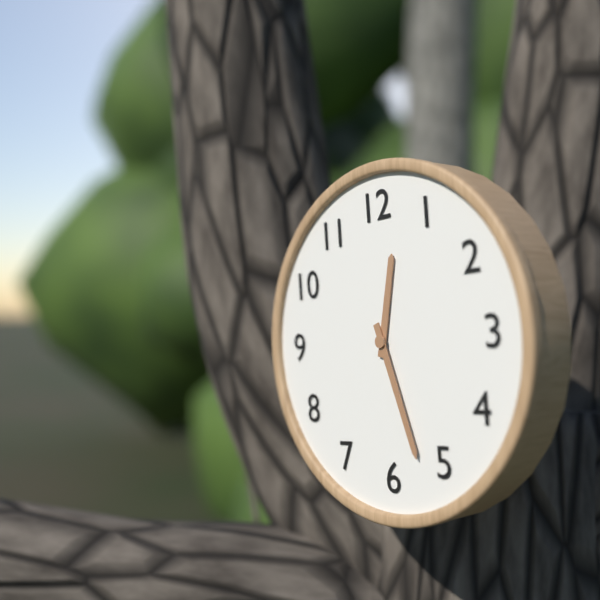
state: 12:27
